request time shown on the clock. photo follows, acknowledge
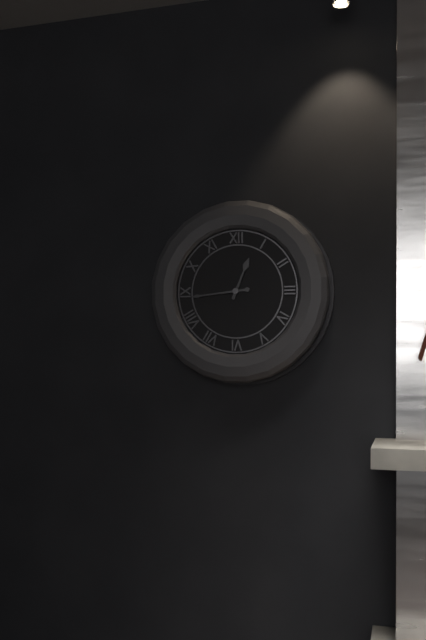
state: 12:44
